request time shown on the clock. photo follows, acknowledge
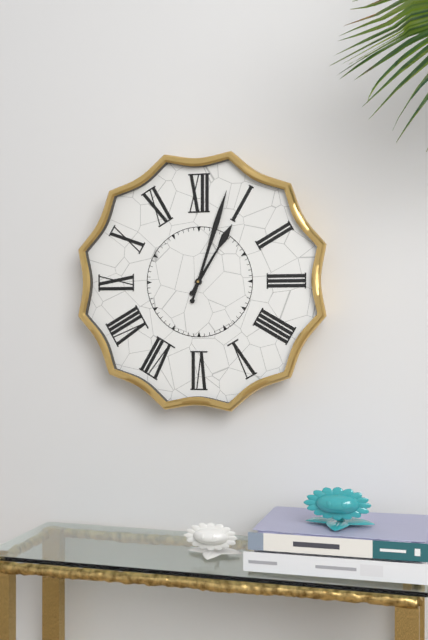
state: 1:03
